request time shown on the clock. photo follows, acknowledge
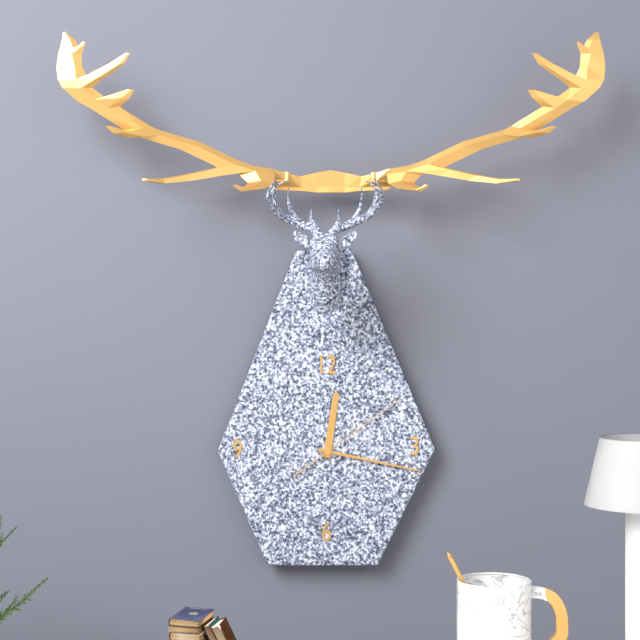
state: 12:17:09
